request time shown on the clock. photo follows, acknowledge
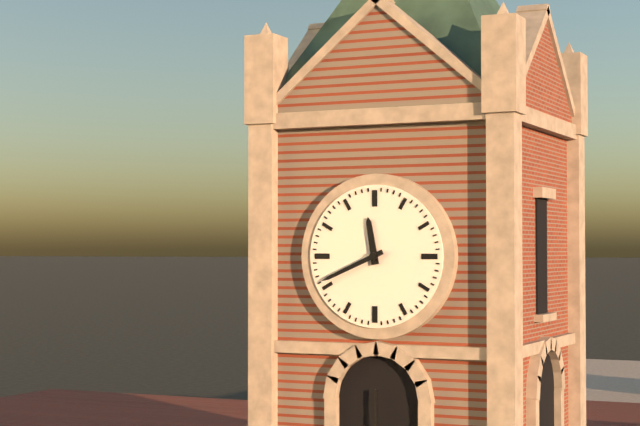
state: 11:41
